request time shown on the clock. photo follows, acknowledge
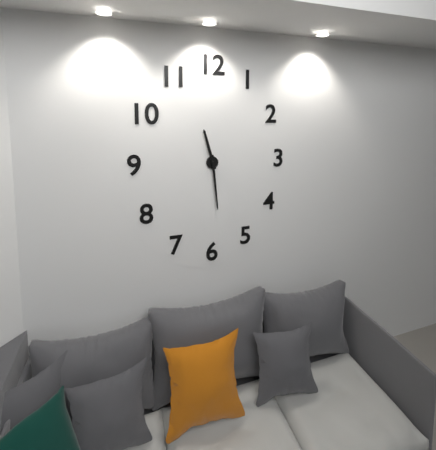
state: 11:29
